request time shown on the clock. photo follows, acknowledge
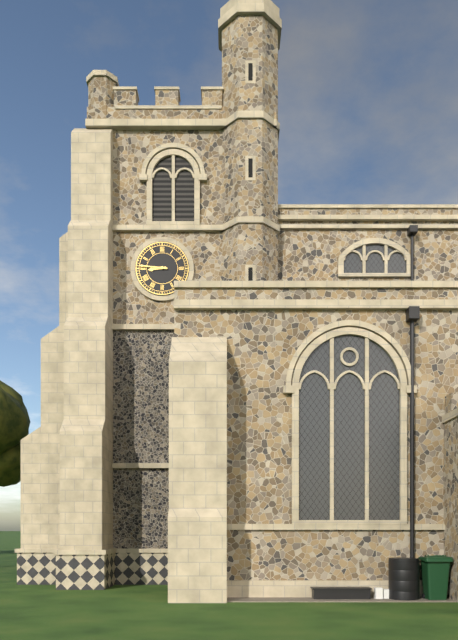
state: 8:46
